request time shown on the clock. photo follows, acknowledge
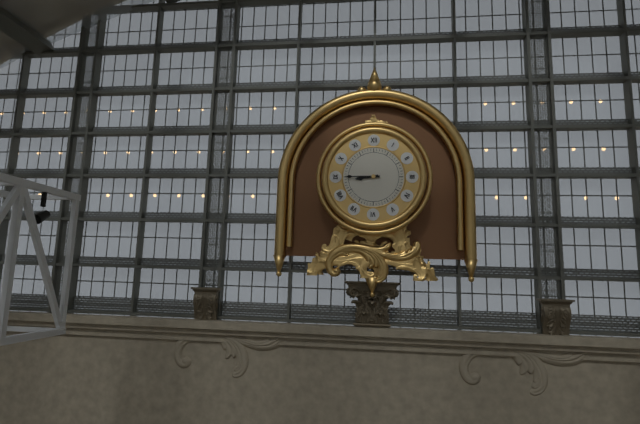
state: 8:45
